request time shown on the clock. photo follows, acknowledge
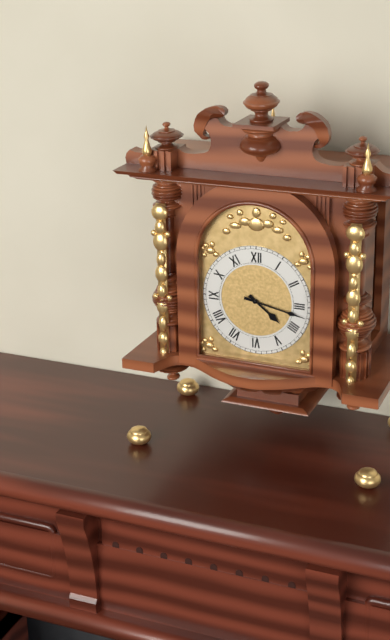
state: 4:17
